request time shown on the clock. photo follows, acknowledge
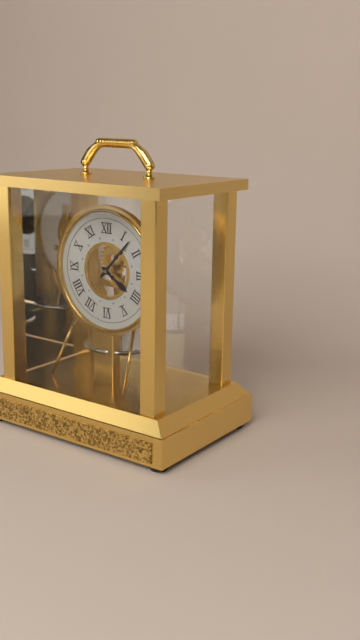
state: 4:07
